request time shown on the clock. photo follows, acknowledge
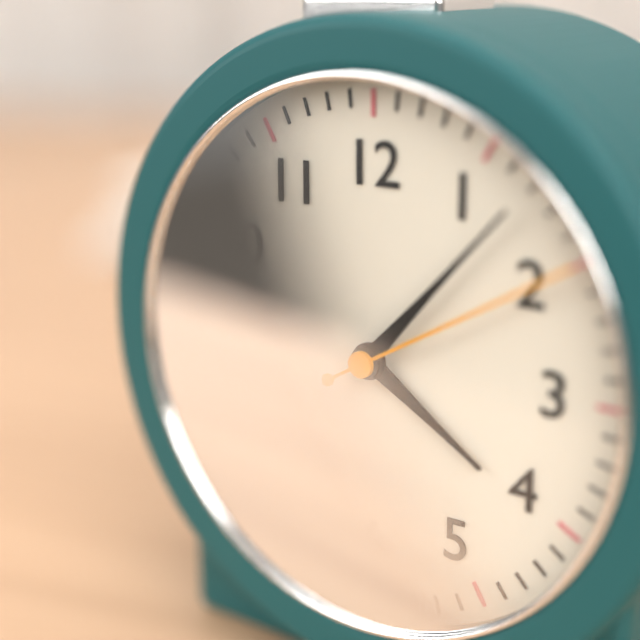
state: 4:07:10
